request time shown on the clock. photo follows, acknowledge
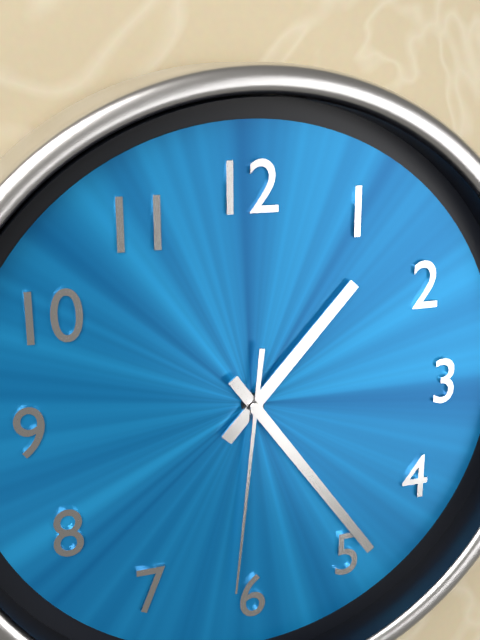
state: 1:24:31
